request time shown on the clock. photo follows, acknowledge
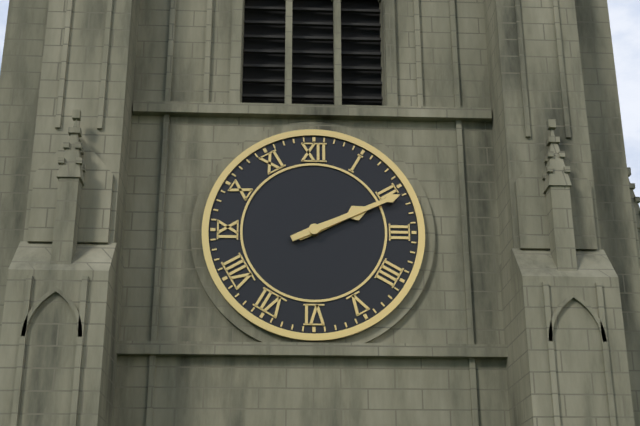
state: 2:11
